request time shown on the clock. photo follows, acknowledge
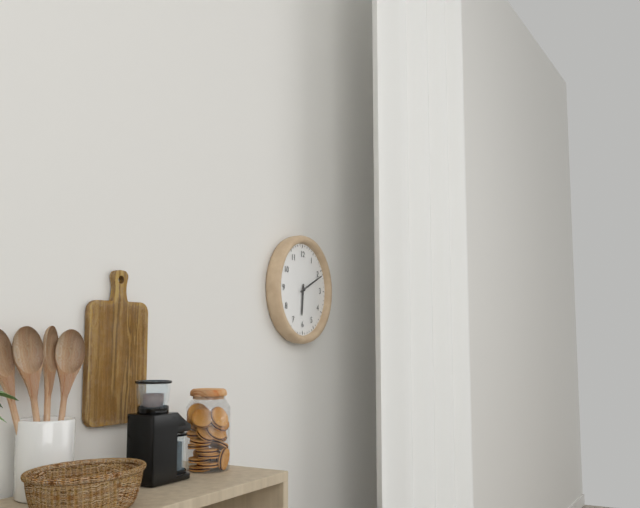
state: 6:11
